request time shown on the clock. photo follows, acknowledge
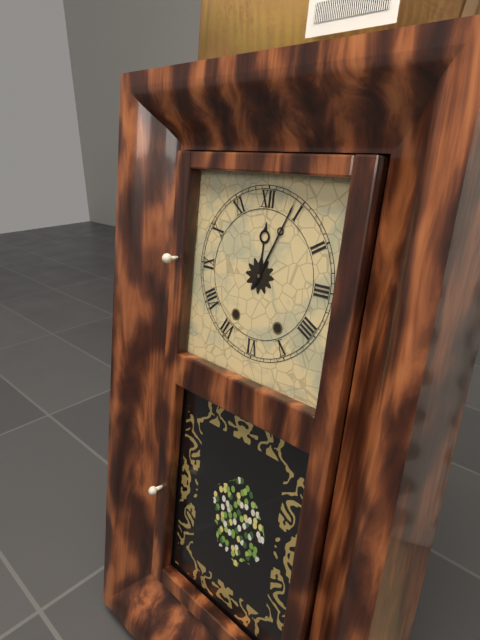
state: 12:04
